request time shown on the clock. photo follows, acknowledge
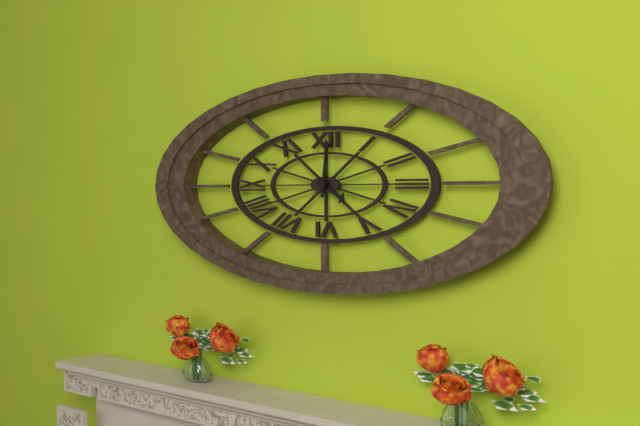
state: 4:01
